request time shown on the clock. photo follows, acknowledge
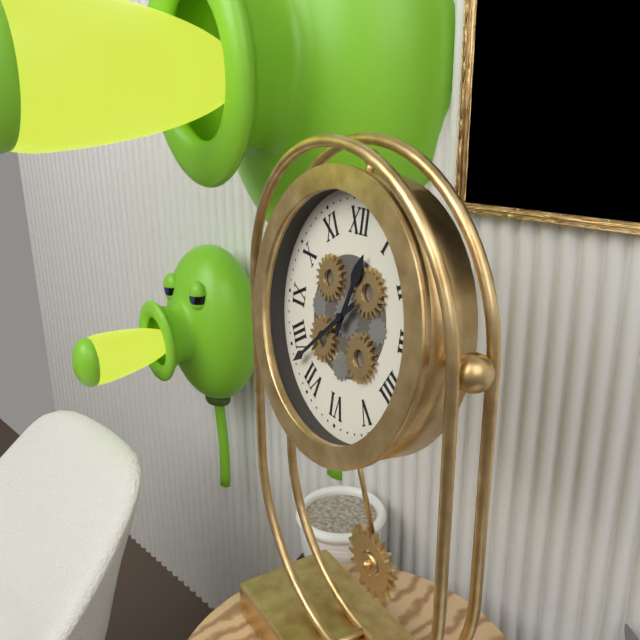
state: 12:38
